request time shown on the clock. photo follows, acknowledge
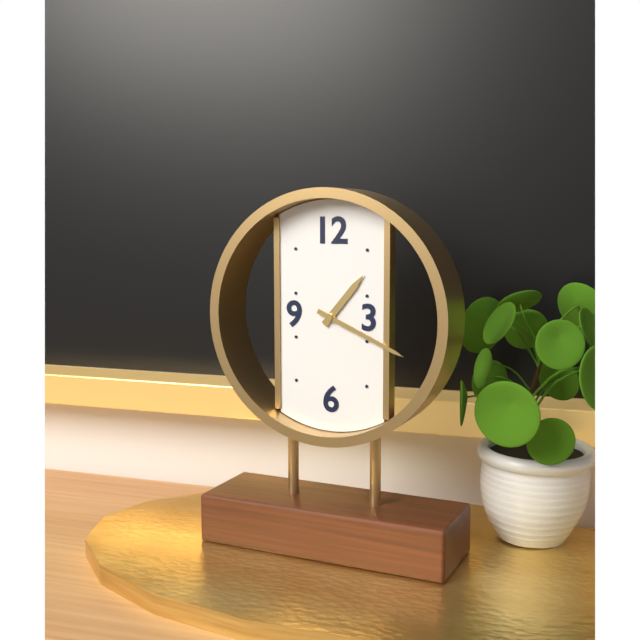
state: 1:19
